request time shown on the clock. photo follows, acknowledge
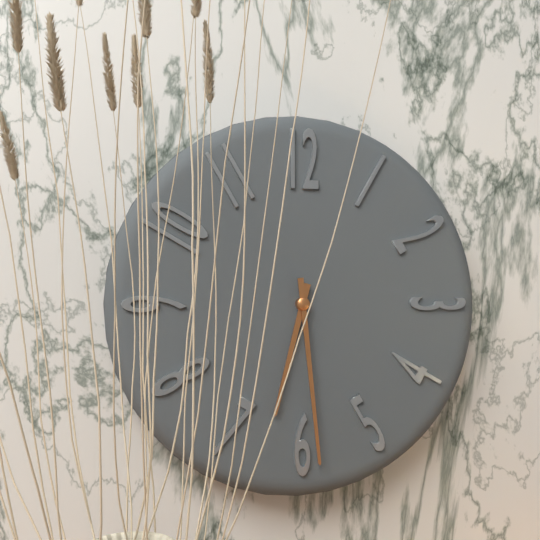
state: 6:29
